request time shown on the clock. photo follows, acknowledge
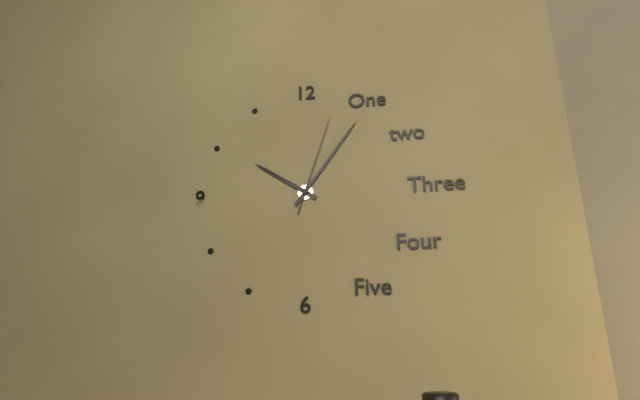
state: 10:06:03
